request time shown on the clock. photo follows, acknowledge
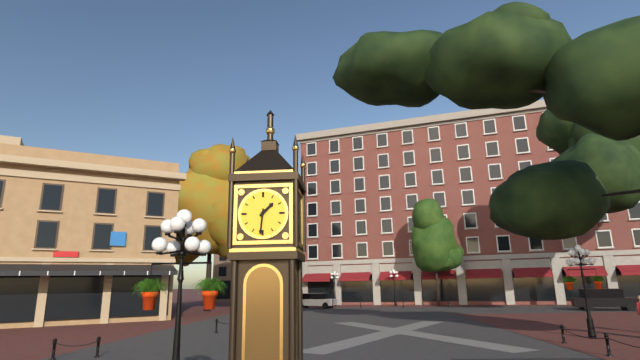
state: 1:31
